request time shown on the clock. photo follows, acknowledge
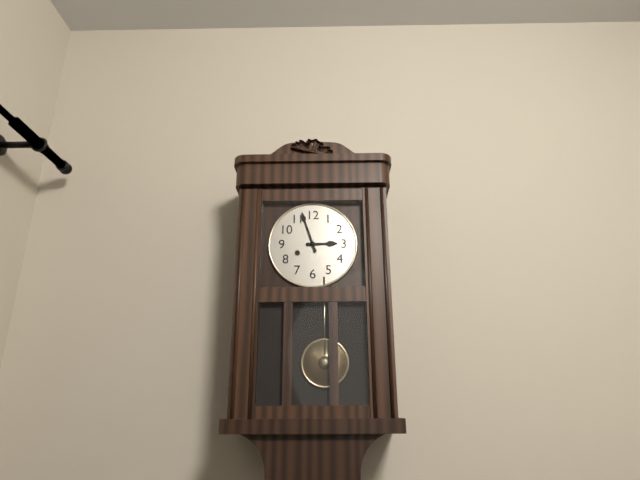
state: 2:57
